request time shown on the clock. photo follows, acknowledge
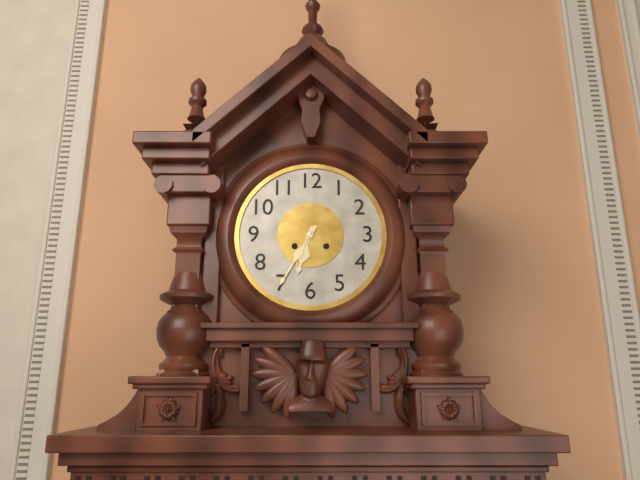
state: 6:35
